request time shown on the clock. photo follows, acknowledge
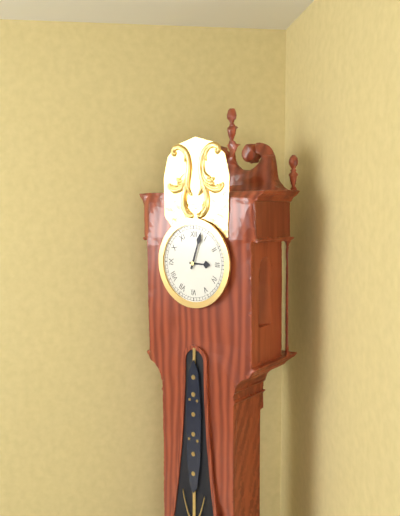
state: 3:03
